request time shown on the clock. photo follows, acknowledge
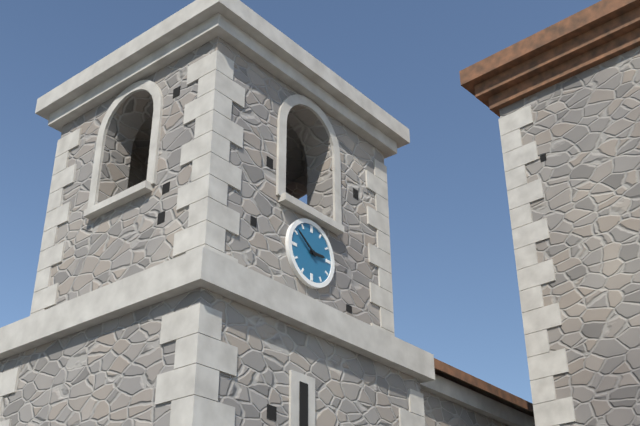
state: 2:51
